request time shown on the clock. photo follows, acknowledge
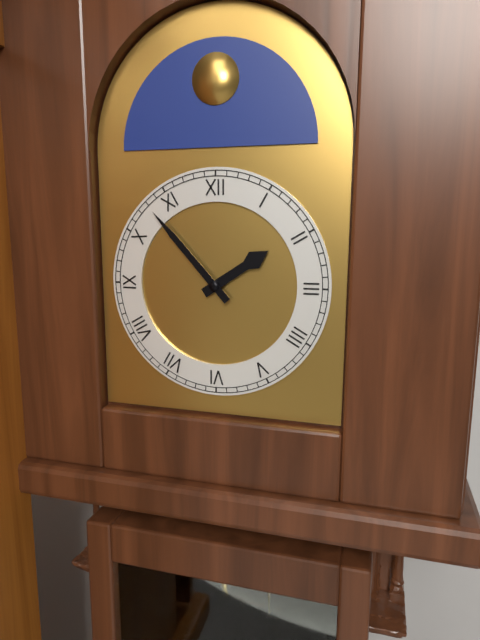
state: 1:53
